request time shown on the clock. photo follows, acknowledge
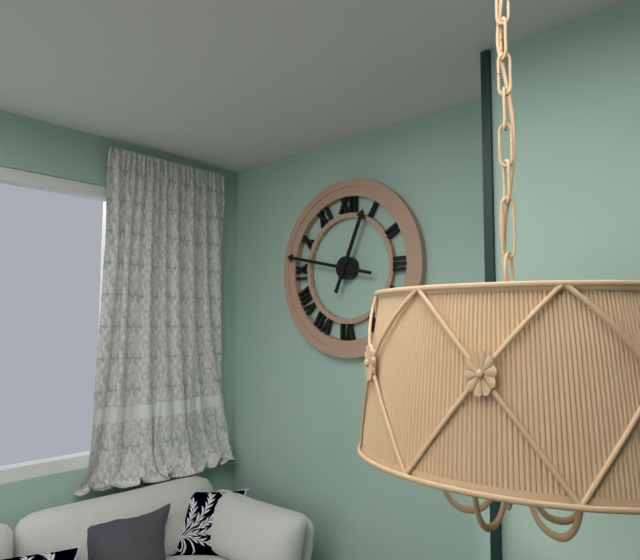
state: 12:47
